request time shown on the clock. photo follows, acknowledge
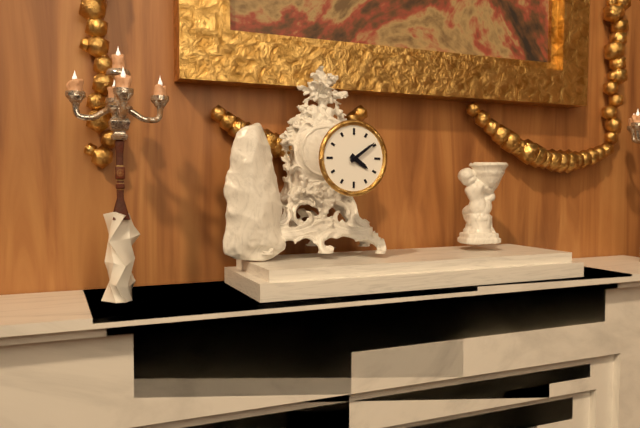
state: 4:09
